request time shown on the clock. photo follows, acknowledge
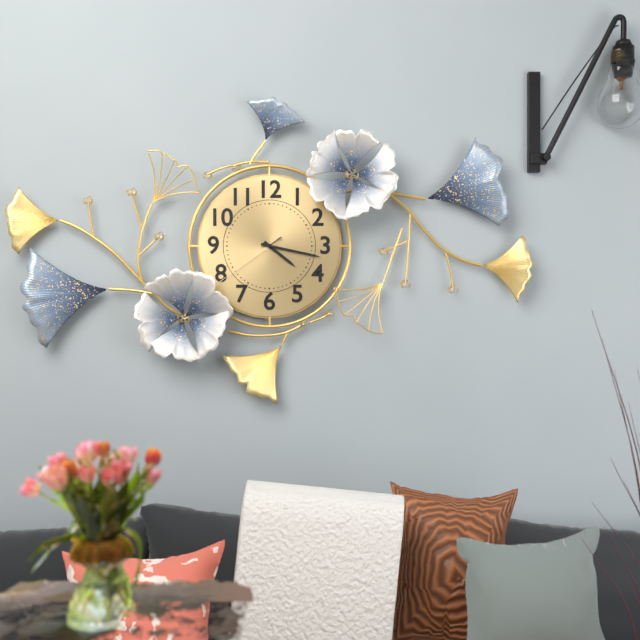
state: 4:17:39
